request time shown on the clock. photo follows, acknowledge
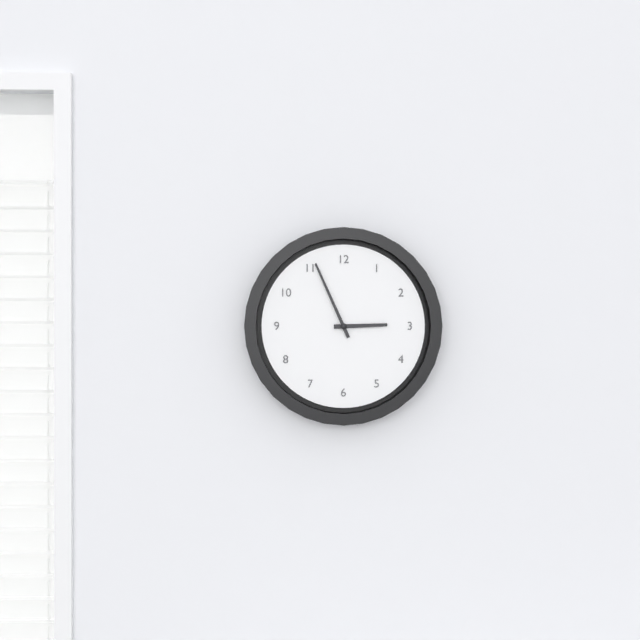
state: 2:56
